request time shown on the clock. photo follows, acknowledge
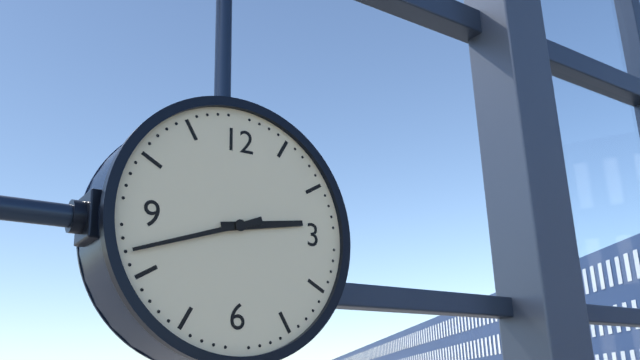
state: 2:42
